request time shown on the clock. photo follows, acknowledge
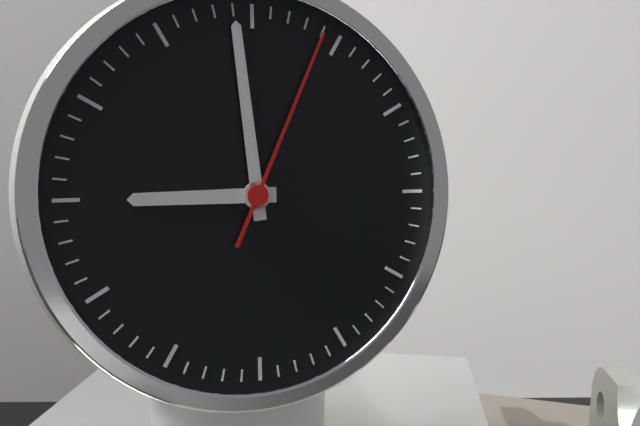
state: 8:59:04
